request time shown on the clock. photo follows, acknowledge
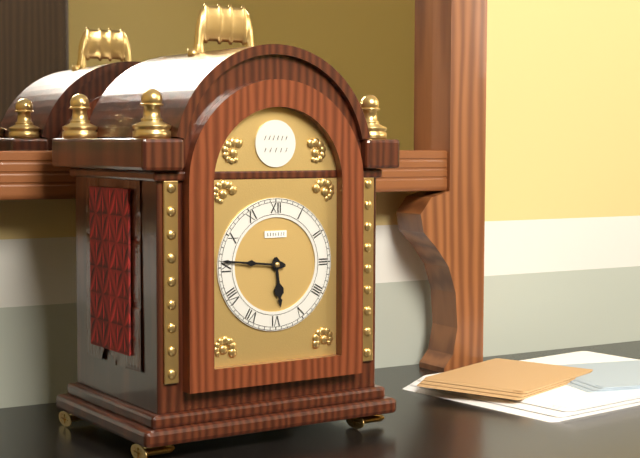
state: 5:46
